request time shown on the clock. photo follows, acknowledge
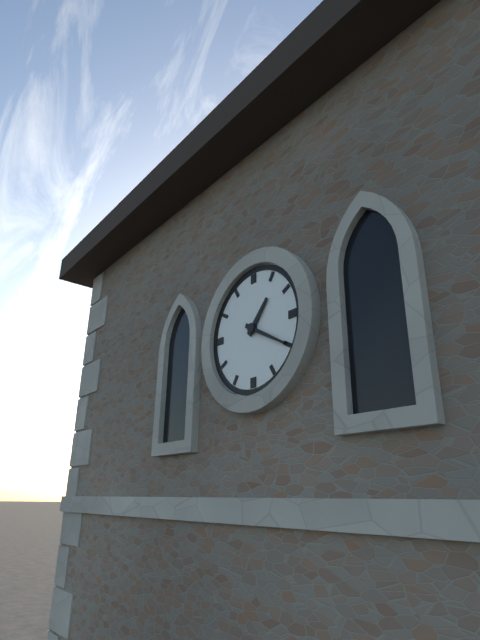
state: 1:20
